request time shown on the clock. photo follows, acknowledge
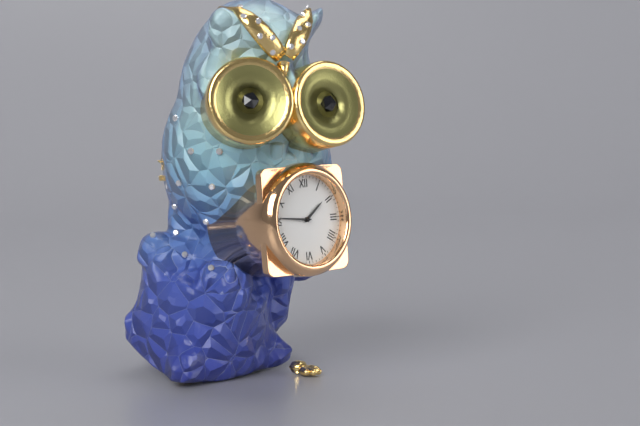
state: 1:46
